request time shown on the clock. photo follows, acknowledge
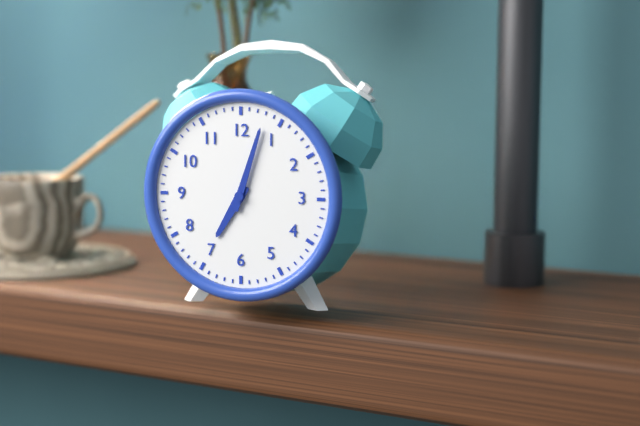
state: 7:03
